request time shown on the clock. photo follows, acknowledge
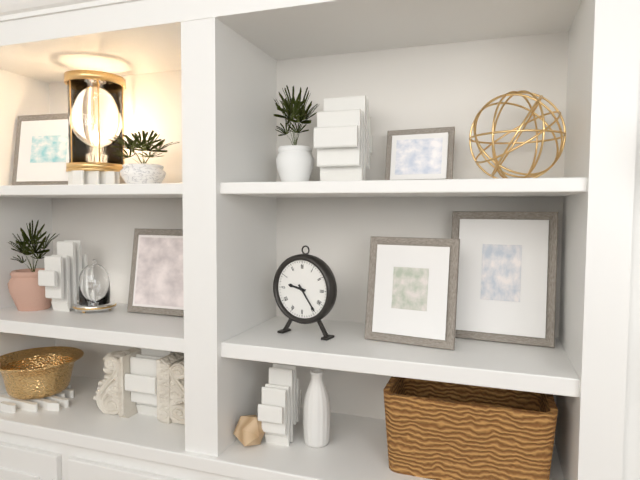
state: 9:24
